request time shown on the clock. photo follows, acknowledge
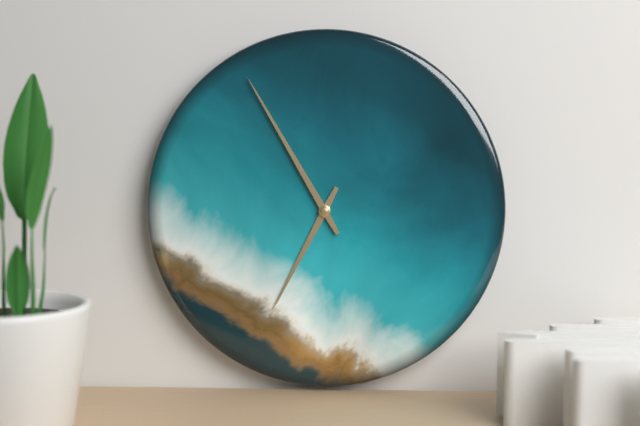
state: 6:55
